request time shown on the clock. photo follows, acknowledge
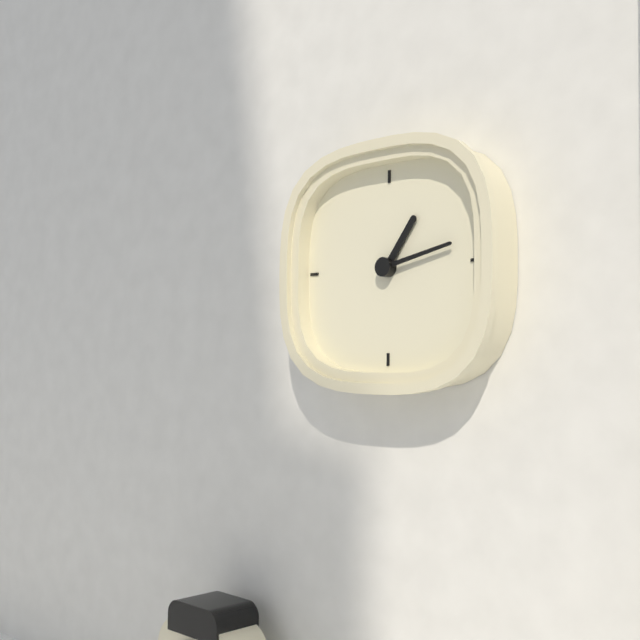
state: 1:13
